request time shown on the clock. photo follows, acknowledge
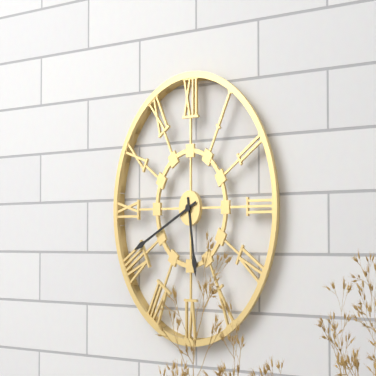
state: 5:41
